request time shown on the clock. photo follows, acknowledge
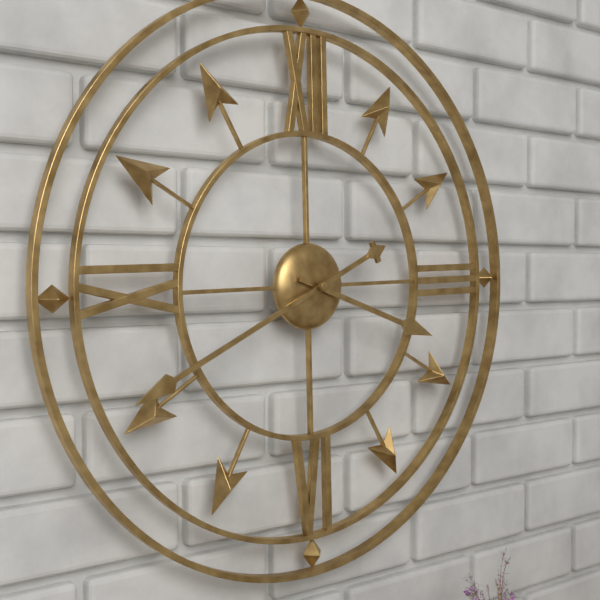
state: 3:41
